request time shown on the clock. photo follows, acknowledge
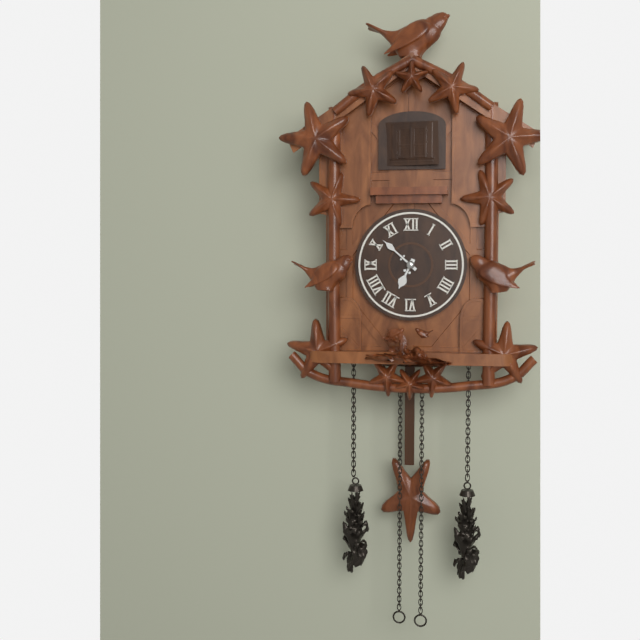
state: 6:52
